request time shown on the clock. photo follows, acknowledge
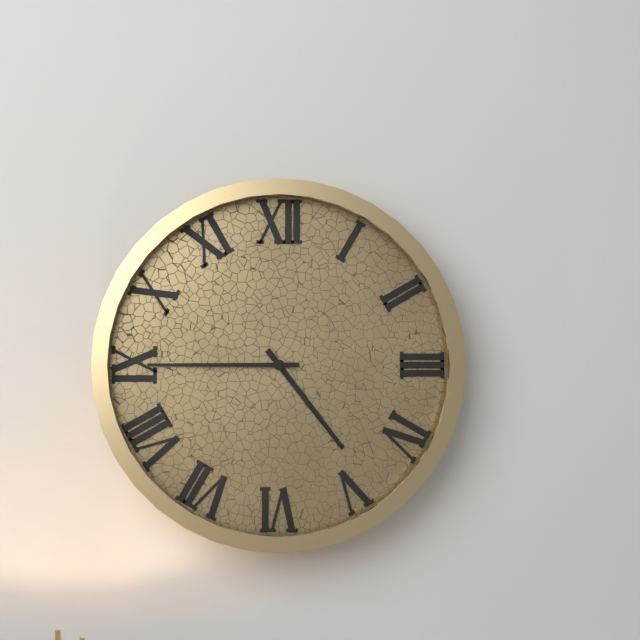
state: 4:45
